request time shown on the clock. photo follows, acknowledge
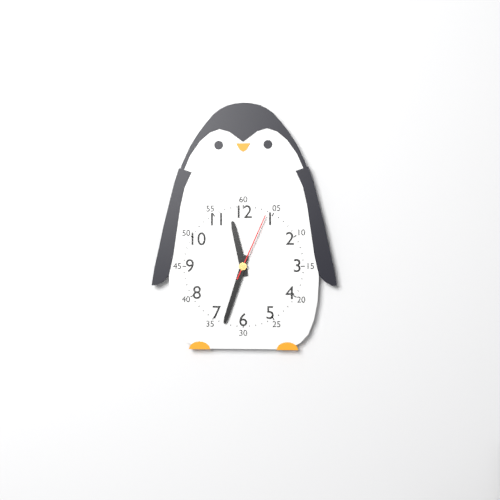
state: 11:33:04
